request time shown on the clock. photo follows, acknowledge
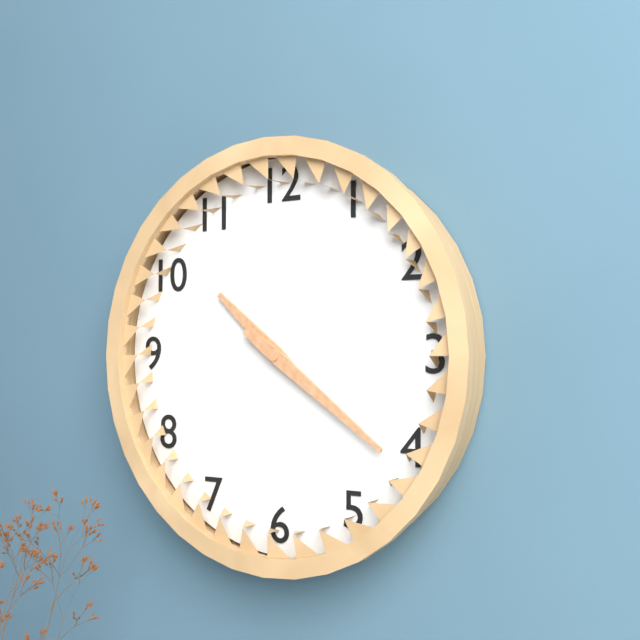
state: 10:21
